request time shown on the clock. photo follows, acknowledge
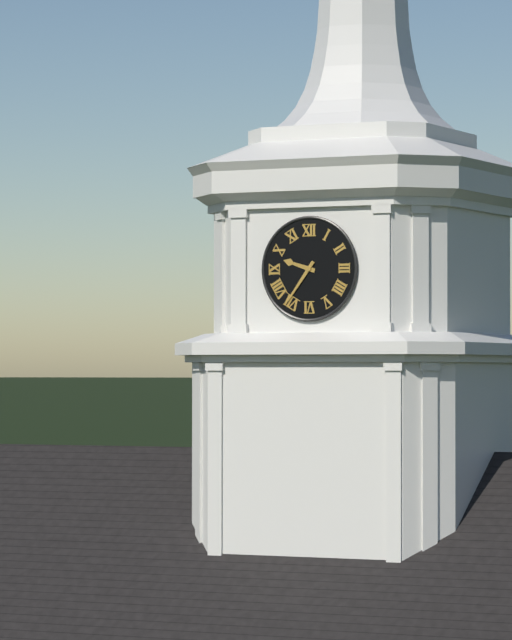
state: 9:36
